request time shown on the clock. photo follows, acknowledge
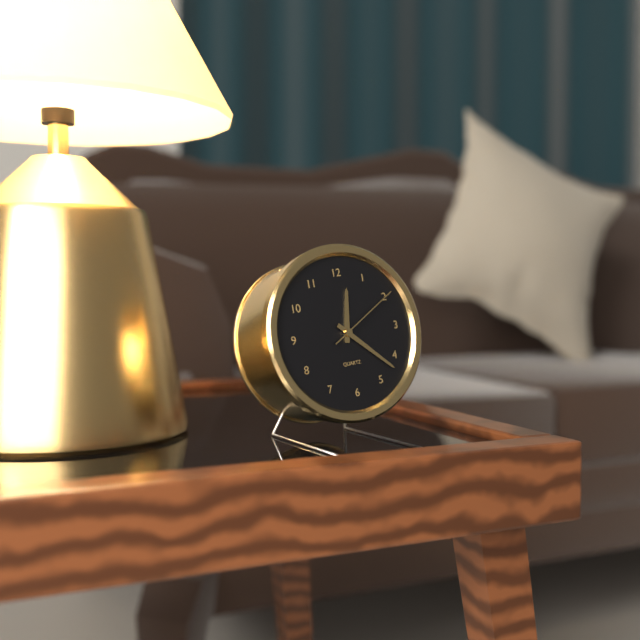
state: 12:22:10
